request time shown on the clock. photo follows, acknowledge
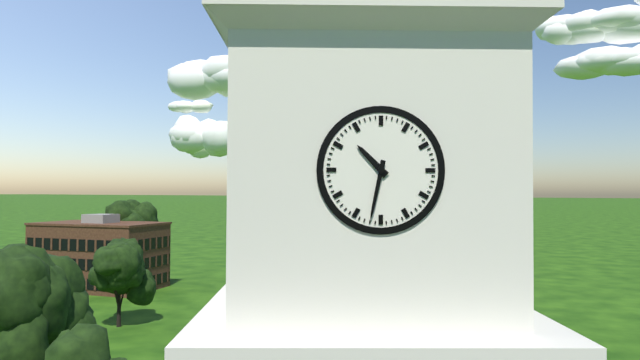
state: 10:32
